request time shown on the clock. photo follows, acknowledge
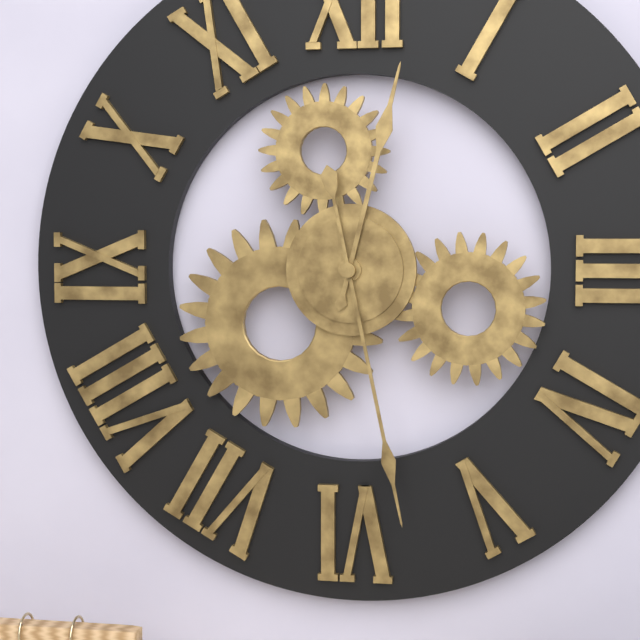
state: 12:28
